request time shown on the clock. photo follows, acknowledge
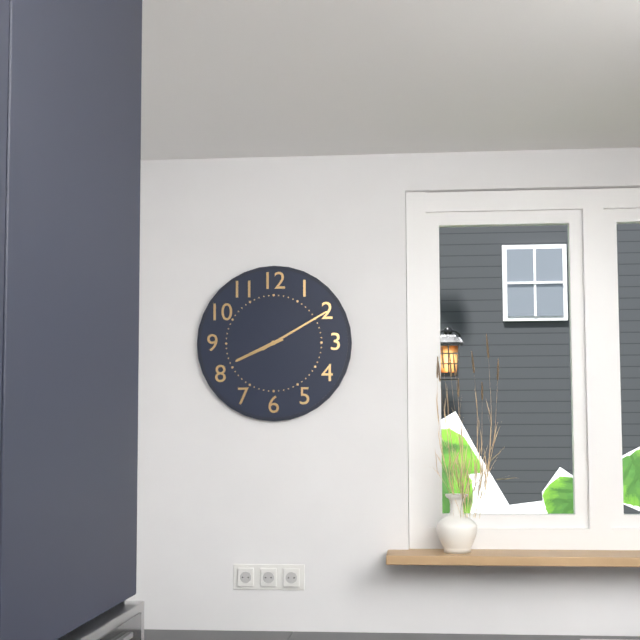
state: 8:10
